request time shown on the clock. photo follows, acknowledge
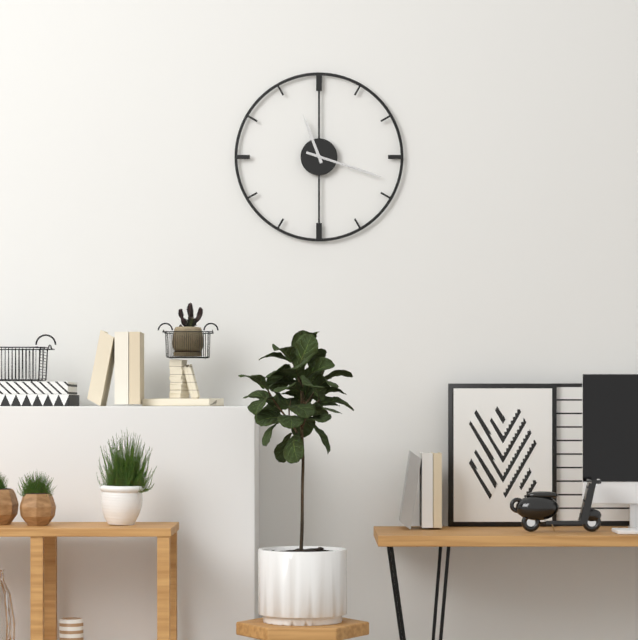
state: 11:18:18
